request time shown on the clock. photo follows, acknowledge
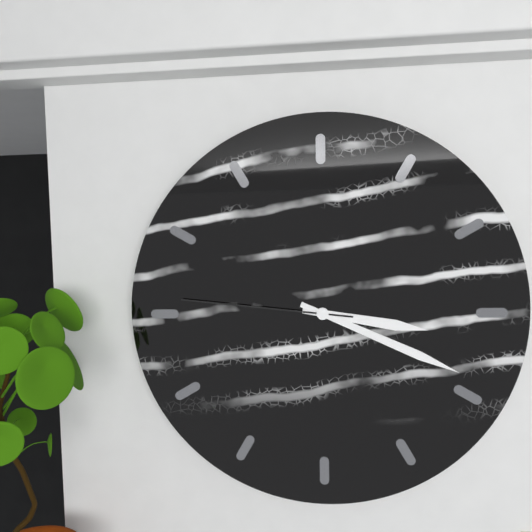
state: 3:19:46
